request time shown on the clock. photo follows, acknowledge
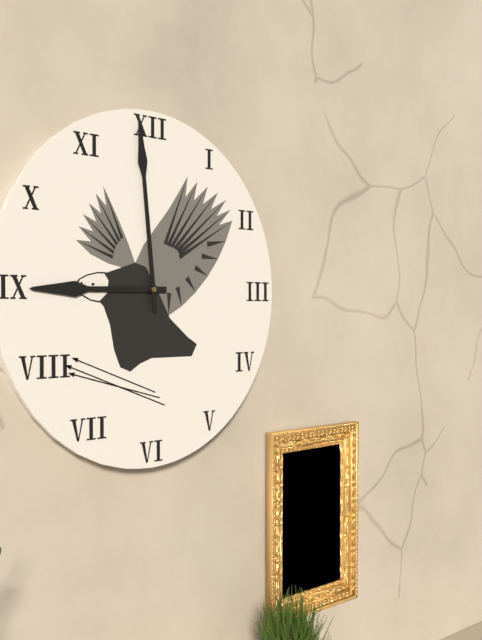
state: 8:59
